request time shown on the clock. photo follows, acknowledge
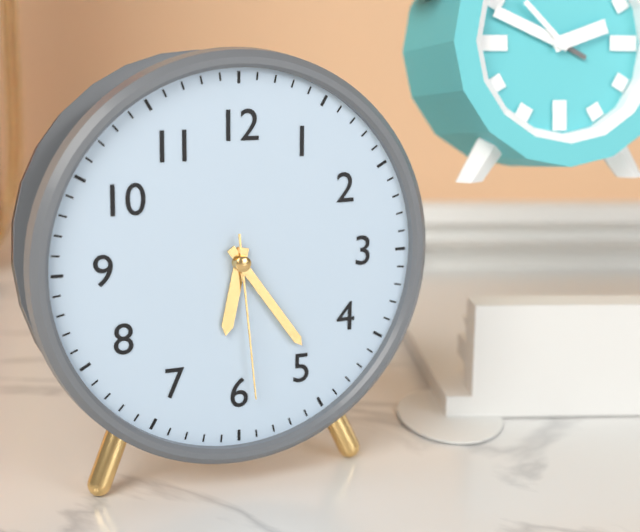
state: 6:24:29
